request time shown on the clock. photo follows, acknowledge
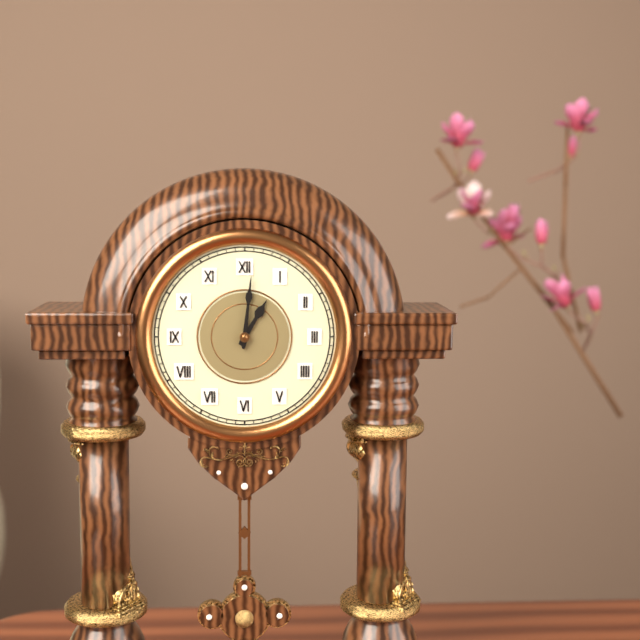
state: 1:01
